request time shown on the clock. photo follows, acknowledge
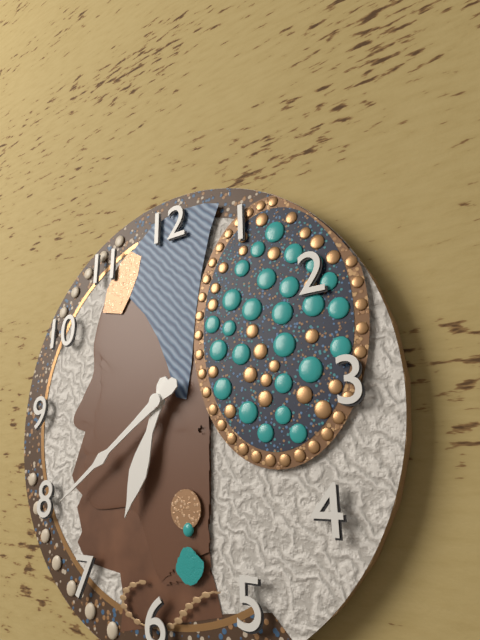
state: 6:39
